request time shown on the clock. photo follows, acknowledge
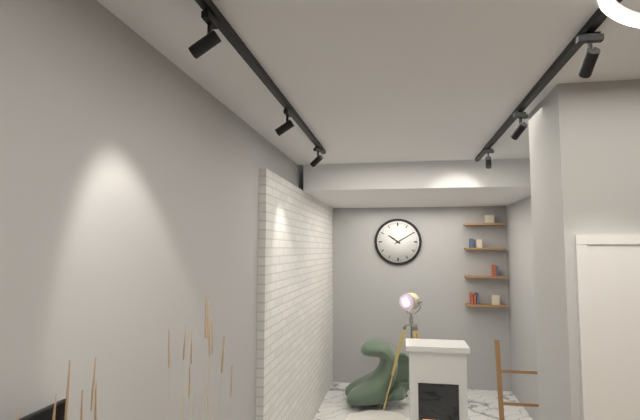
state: 10:10
